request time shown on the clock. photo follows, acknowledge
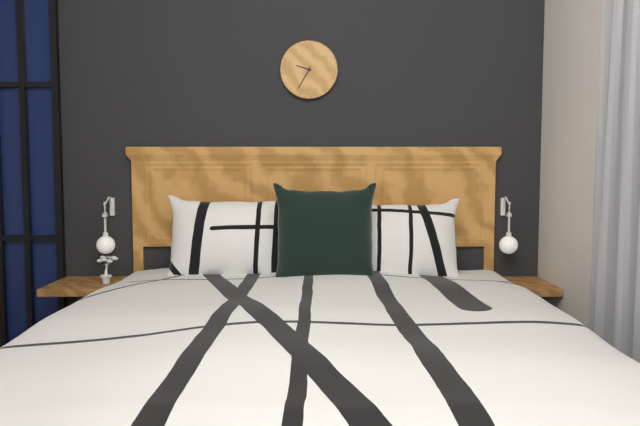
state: 9:35
